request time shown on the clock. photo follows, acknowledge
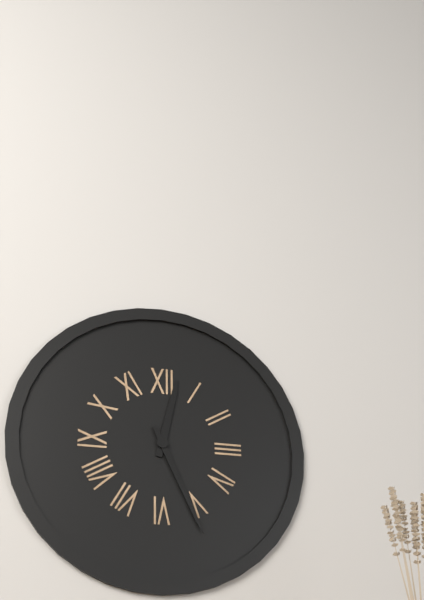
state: 12:26
